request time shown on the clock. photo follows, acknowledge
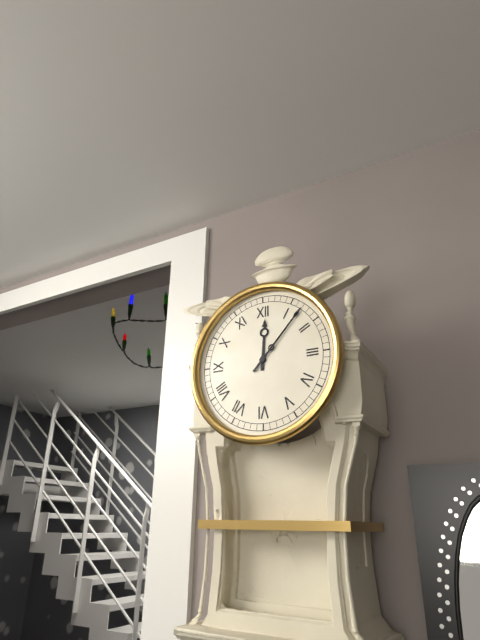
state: 12:07
